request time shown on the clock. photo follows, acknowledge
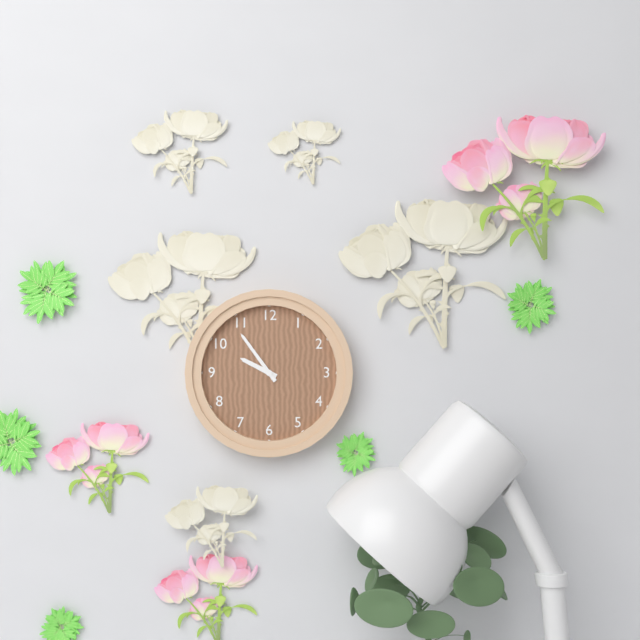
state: 9:54
